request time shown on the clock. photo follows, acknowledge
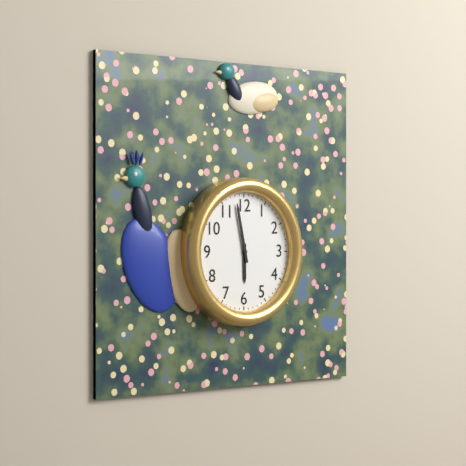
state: 5:58
